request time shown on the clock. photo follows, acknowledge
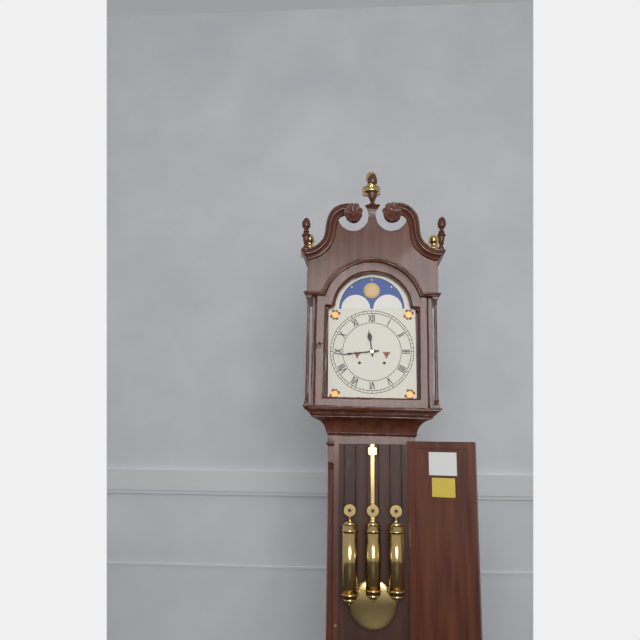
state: 11:44
